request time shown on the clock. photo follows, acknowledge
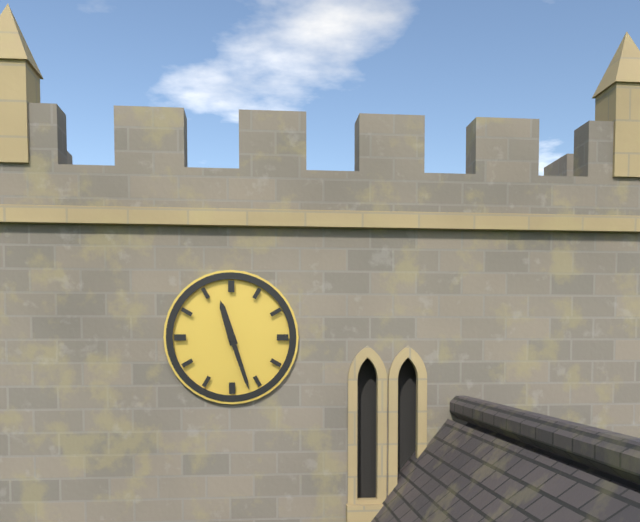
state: 11:27
